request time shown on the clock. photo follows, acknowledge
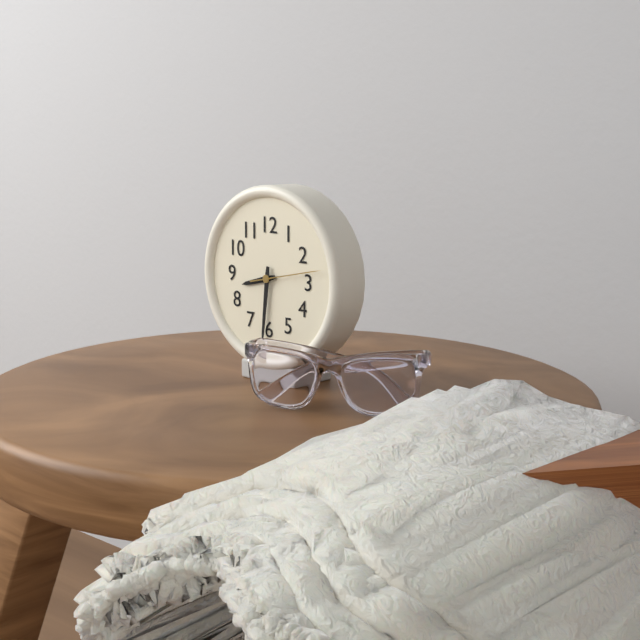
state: 8:31:13
